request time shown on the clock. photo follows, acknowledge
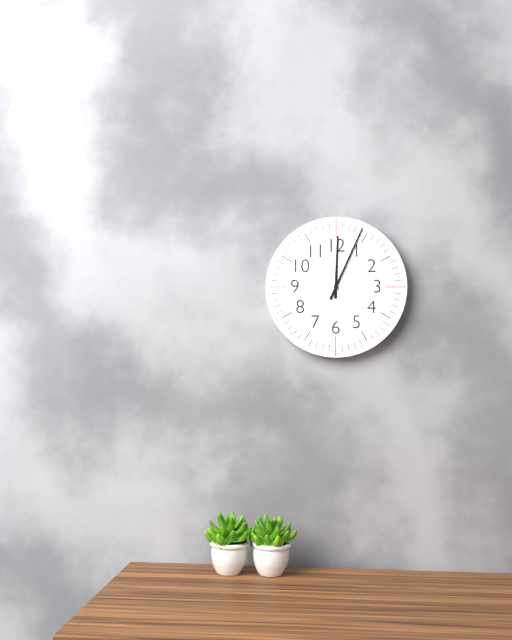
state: 12:04
